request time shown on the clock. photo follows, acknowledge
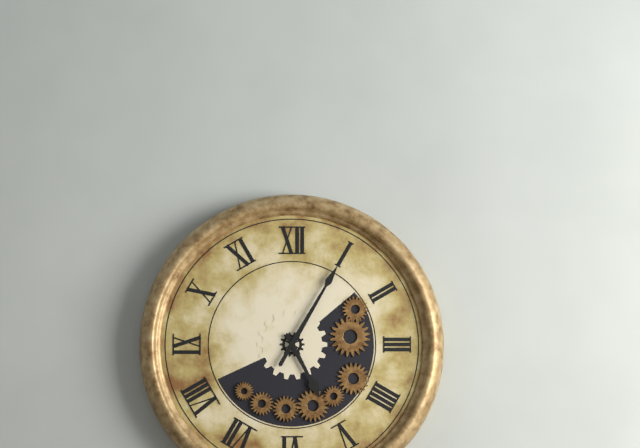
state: 5:05
